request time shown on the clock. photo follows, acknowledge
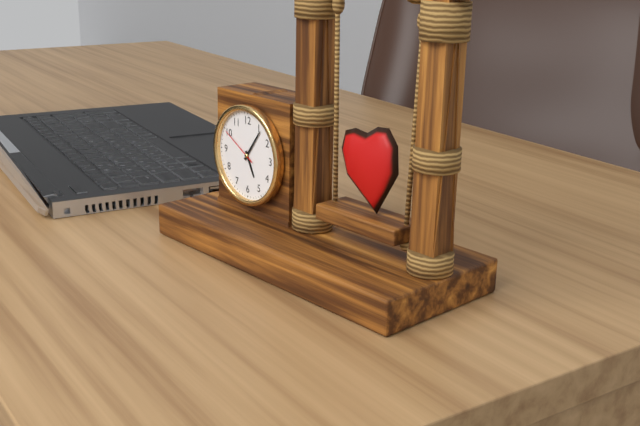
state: 5:06
